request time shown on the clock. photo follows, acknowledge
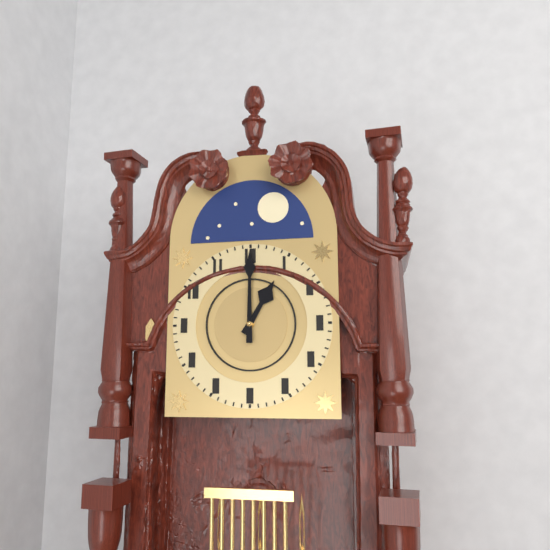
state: 1:00
